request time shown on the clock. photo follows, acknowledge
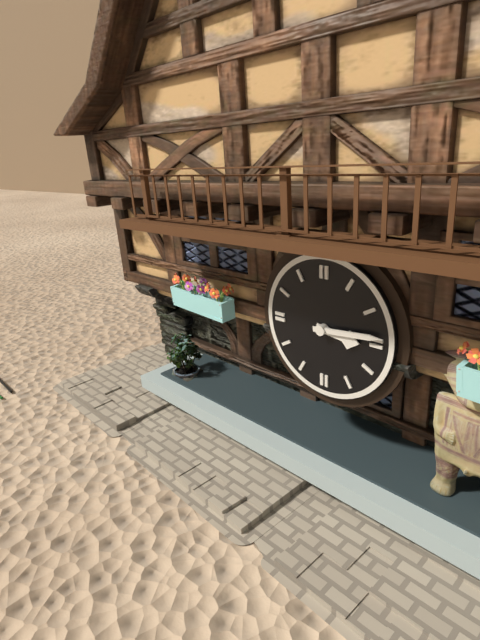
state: 3:14
